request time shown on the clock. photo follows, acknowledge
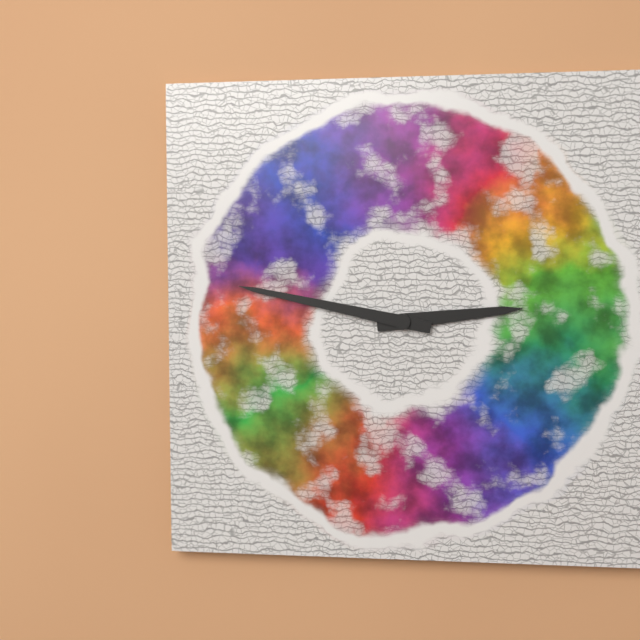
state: 2:47
